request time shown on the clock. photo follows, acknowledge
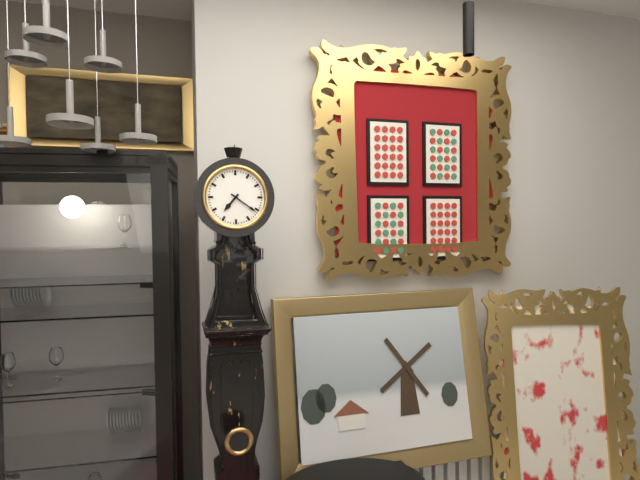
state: 7:21
